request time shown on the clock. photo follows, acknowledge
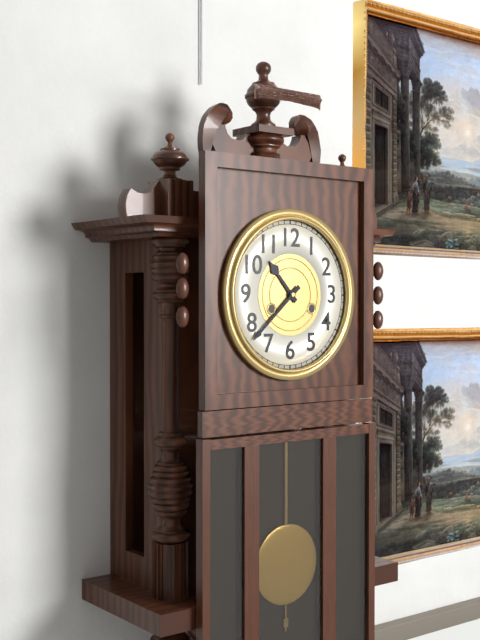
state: 10:38
